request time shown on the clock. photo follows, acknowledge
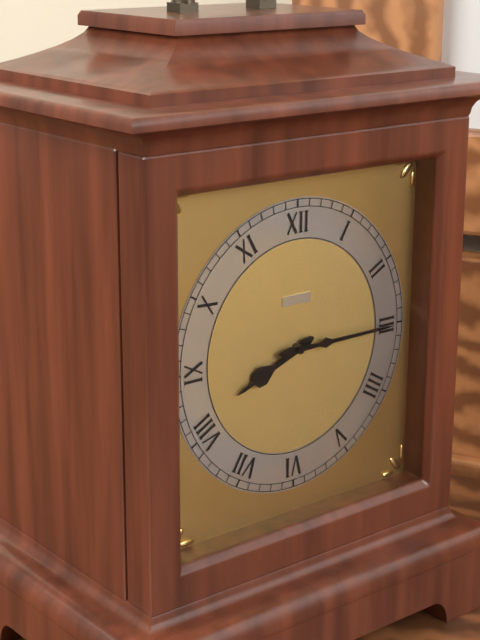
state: 8:15
